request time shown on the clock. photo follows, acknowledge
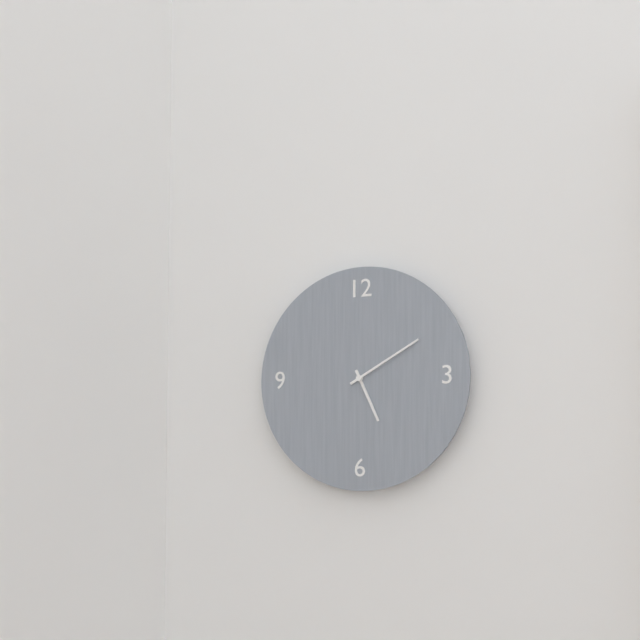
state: 5:10
